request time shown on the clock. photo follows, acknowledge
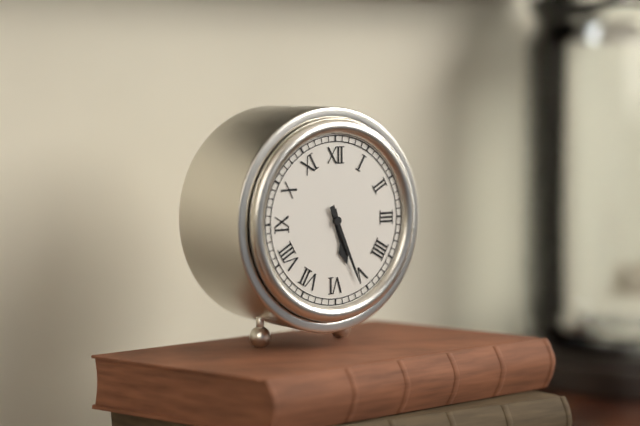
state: 5:26
